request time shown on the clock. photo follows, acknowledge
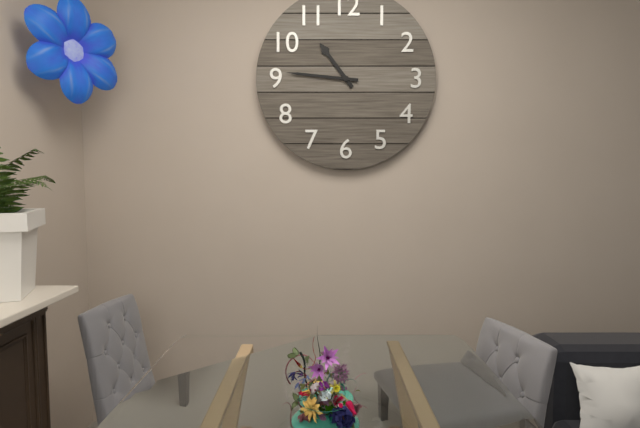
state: 10:46
